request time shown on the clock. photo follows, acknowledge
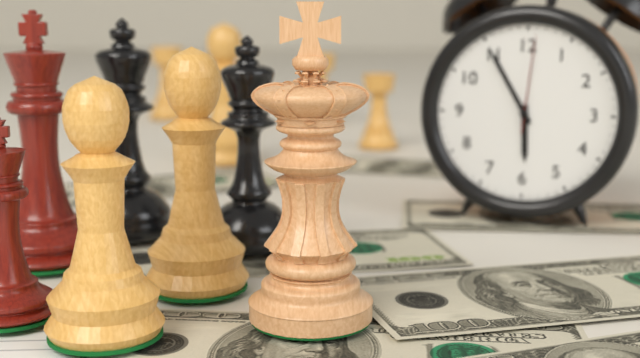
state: 5:55:01
